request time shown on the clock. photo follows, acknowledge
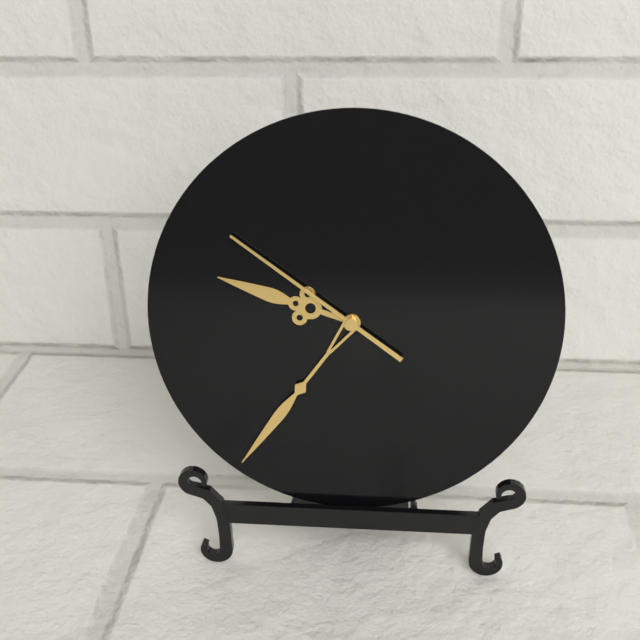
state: 9:36:51
